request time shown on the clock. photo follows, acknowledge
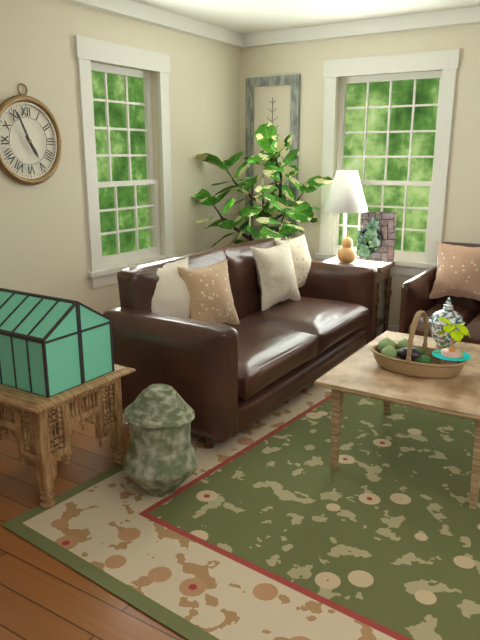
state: 4:56
